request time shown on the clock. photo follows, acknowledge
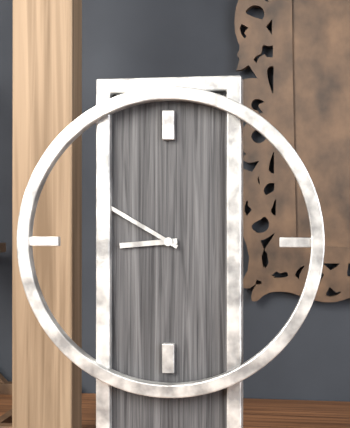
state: 8:50
